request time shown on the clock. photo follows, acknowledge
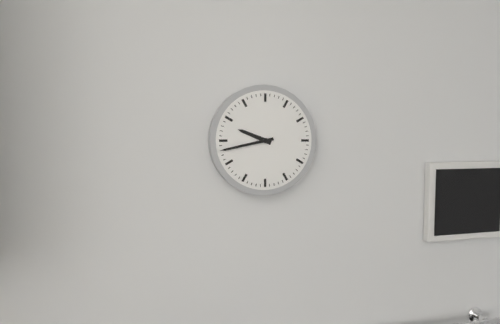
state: 9:43
